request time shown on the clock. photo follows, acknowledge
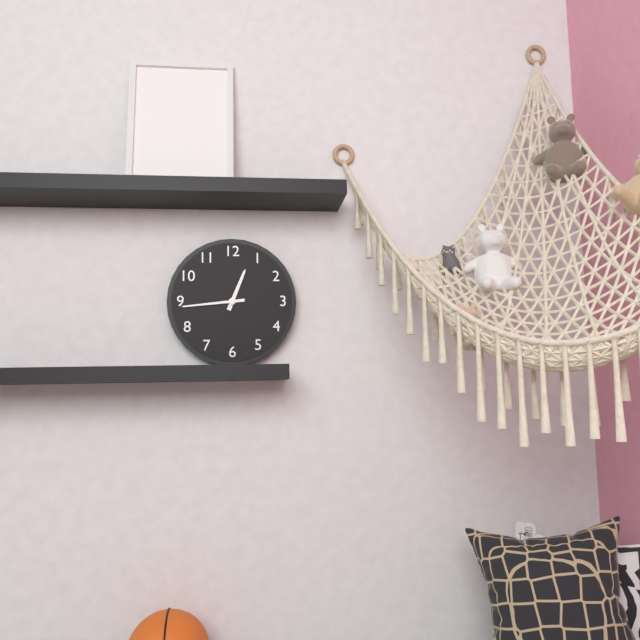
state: 12:44
